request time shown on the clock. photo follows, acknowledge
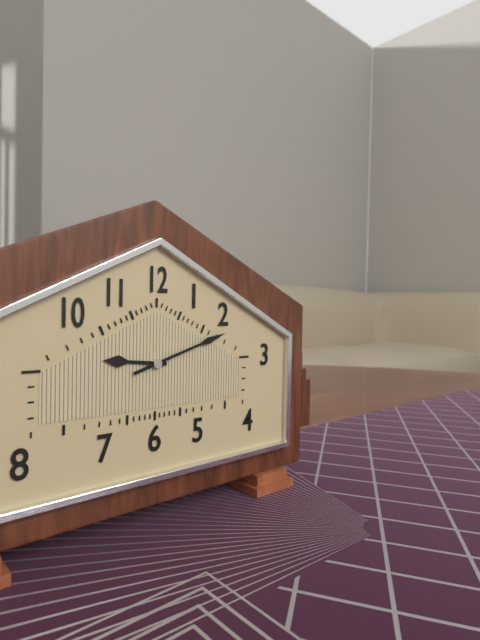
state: 9:12
